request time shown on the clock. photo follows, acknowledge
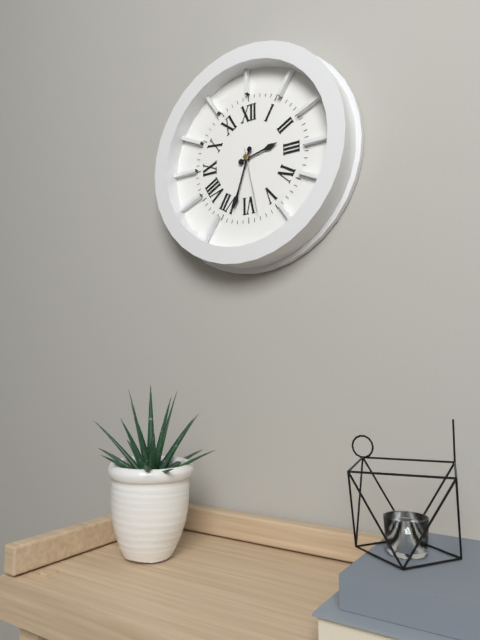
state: 2:33:28
